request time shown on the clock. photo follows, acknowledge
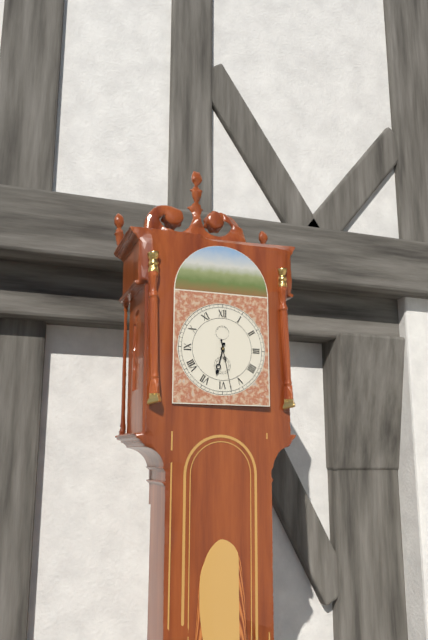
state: 6:28
